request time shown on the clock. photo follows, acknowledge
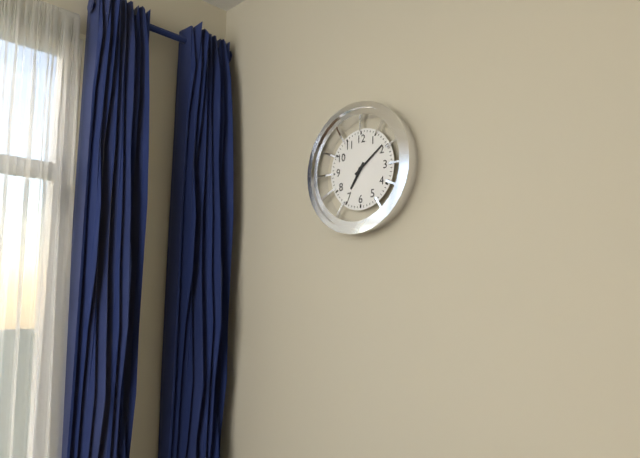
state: 7:09
